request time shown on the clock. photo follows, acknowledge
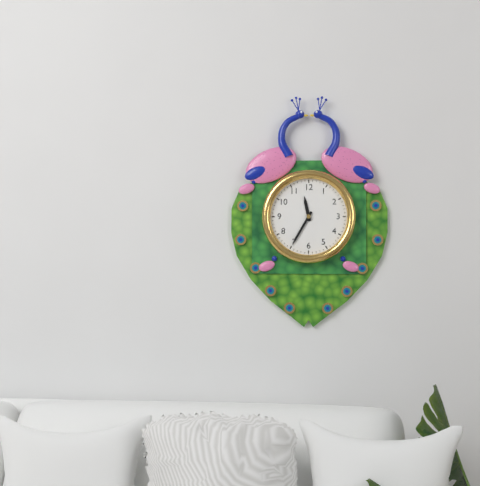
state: 11:35
